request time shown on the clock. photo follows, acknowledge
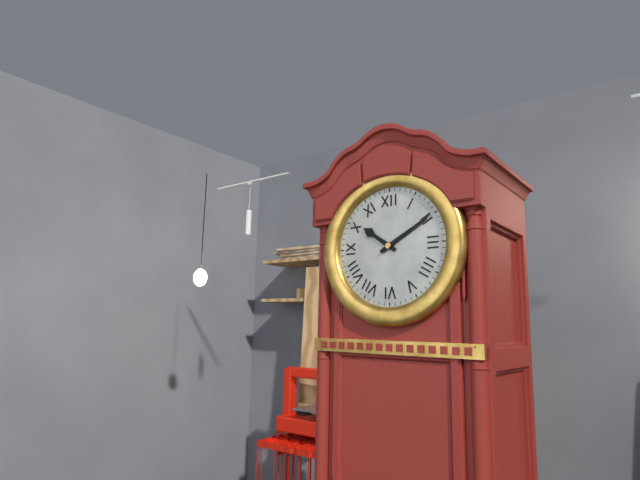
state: 10:10
